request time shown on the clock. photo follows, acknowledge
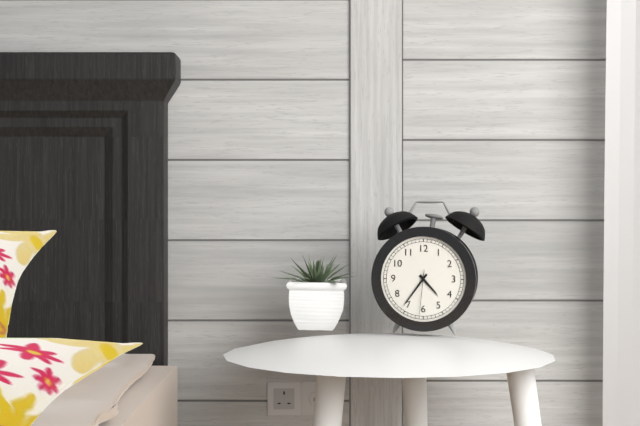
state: 4:36
